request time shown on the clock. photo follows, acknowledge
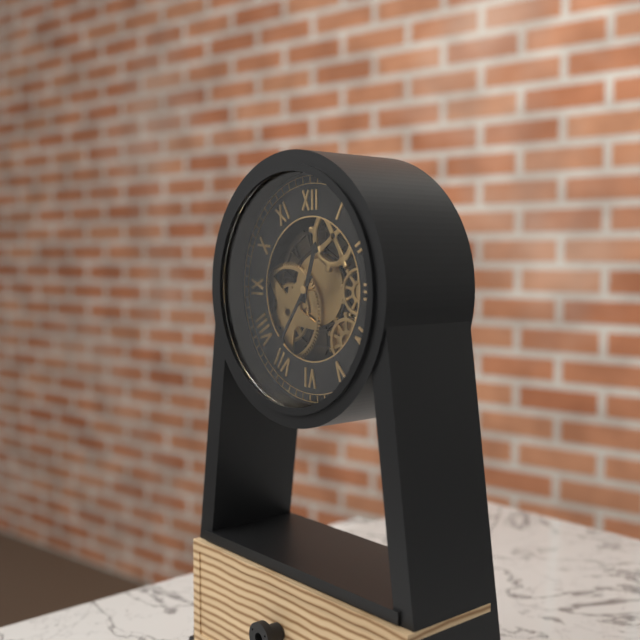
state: 12:36
